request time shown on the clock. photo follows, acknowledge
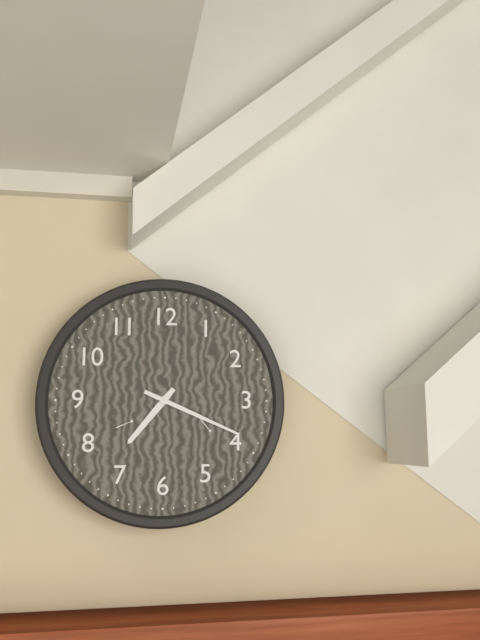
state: 7:19
